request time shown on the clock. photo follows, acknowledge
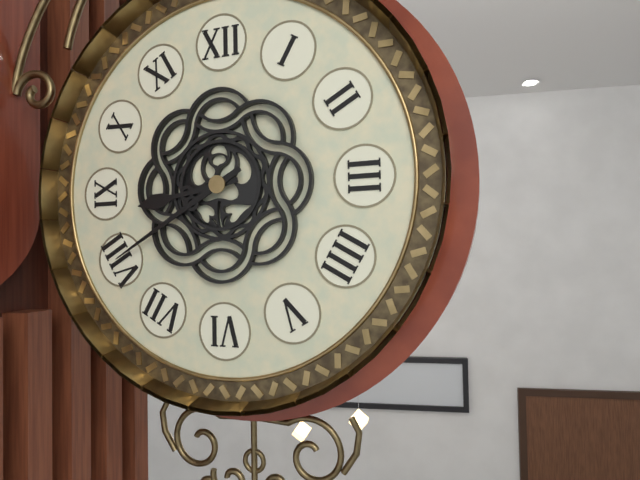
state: 8:40
